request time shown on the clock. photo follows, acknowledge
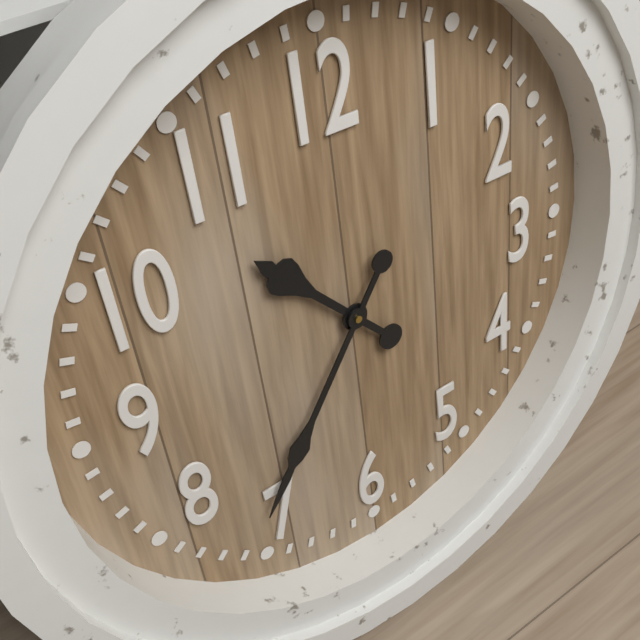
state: 10:36
